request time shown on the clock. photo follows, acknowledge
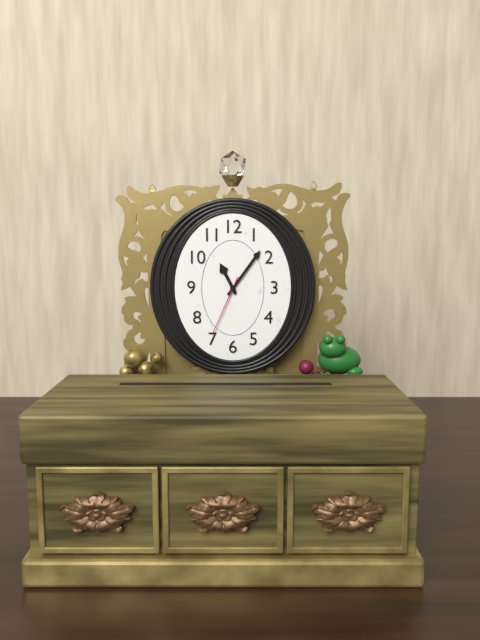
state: 11:06:34
